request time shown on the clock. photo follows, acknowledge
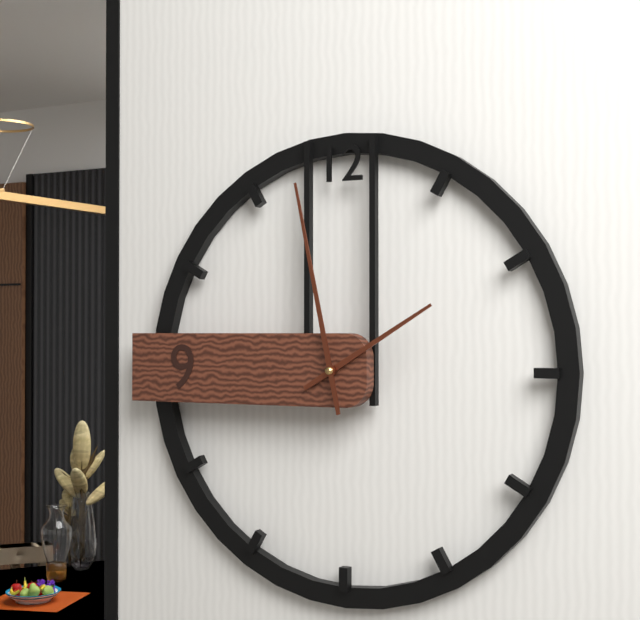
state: 1:58
